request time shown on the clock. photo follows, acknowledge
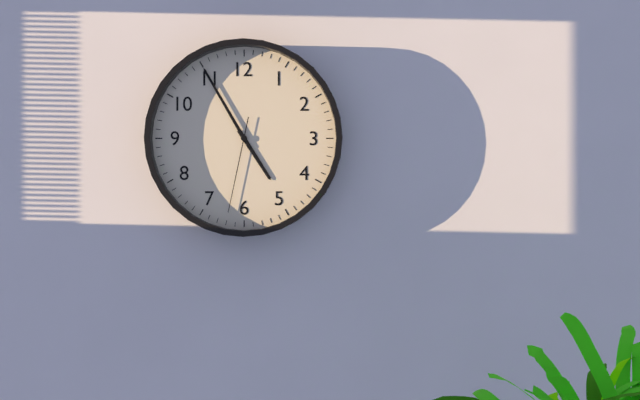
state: 4:55:32
